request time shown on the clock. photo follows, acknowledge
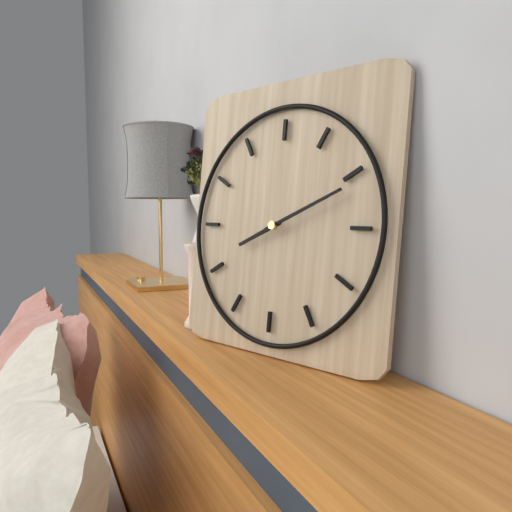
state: 8:11
